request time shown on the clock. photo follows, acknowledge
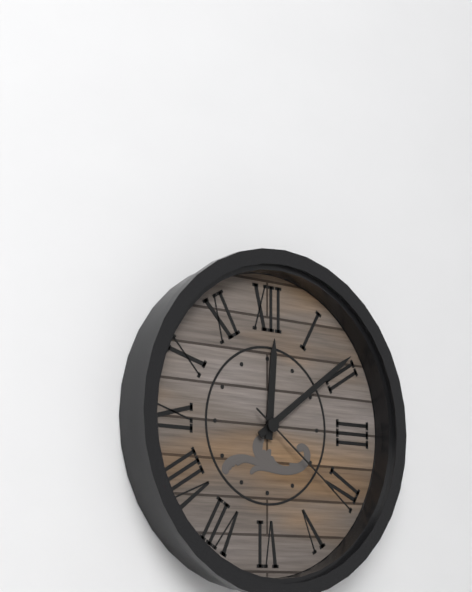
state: 12:09:21
